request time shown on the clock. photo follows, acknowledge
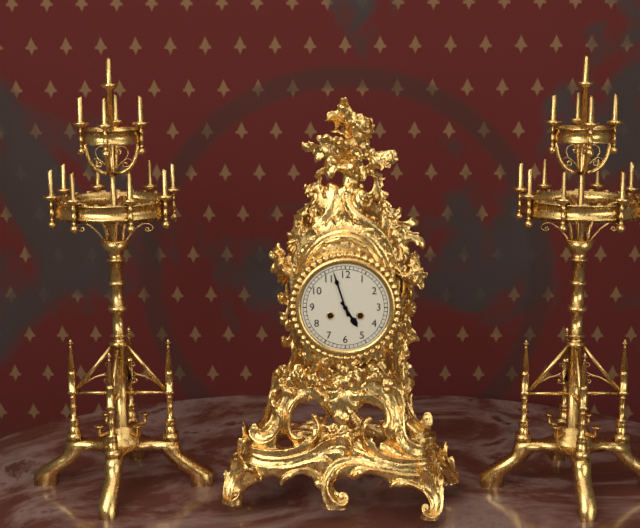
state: 4:57
